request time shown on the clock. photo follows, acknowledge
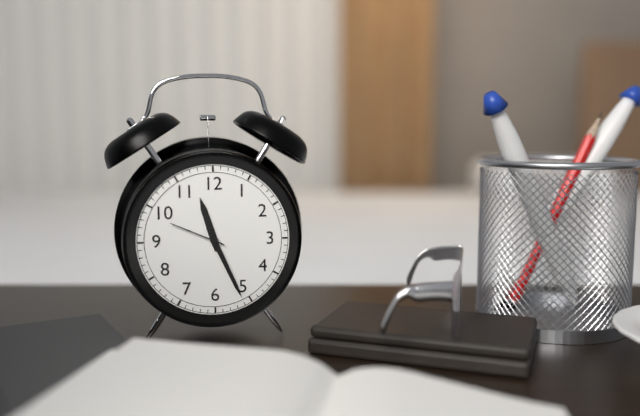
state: 11:26:49
